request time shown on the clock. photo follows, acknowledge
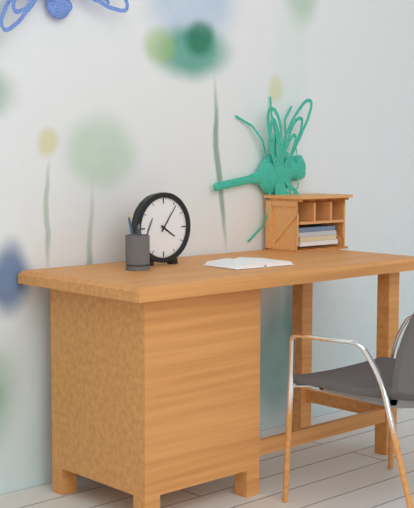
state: 4:06
